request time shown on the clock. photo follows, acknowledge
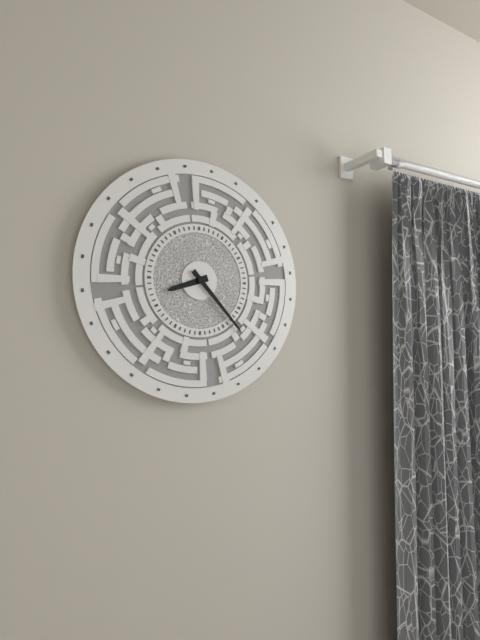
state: 8:23
